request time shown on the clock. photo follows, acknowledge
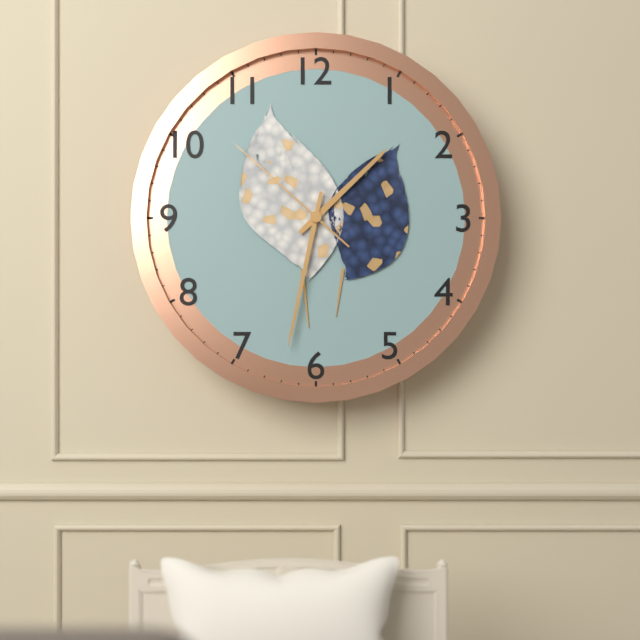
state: 1:32:52
